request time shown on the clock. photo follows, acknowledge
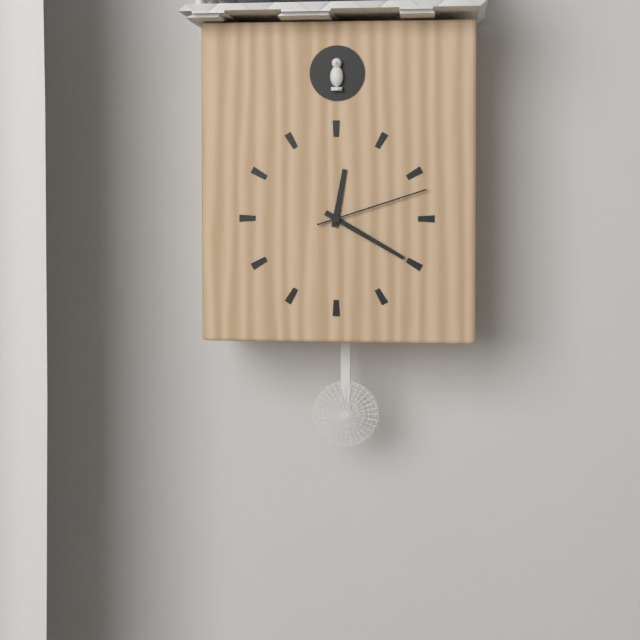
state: 12:20:12
